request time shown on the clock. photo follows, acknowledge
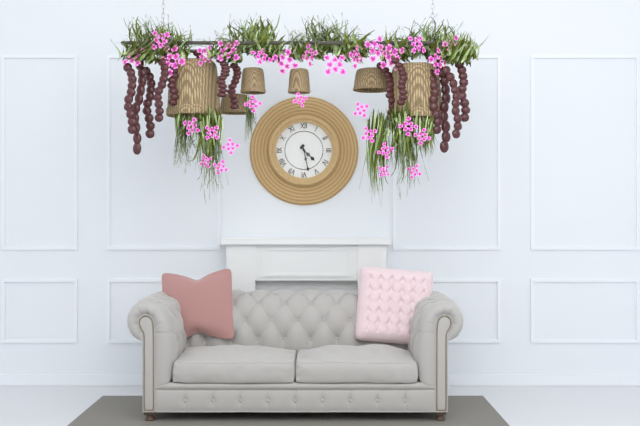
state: 4:28
